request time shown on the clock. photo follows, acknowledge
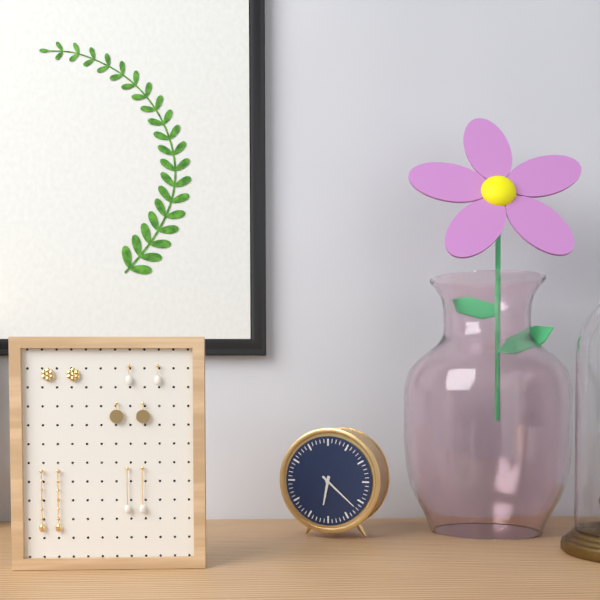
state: 6:22
